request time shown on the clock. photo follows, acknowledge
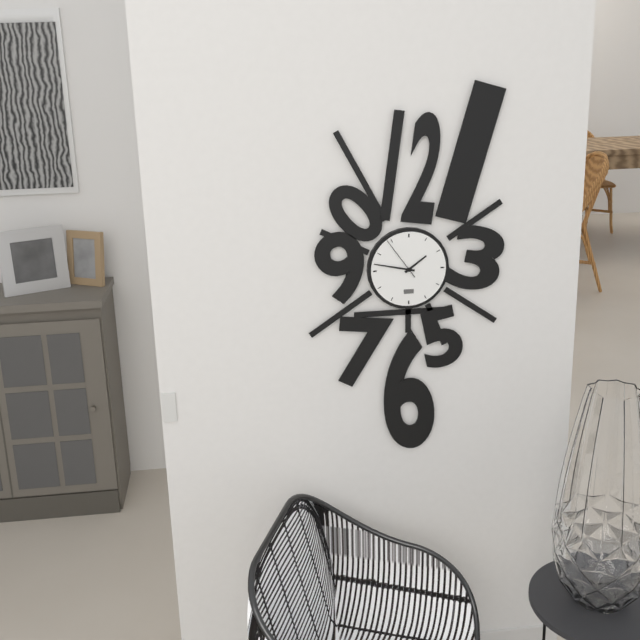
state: 1:47
